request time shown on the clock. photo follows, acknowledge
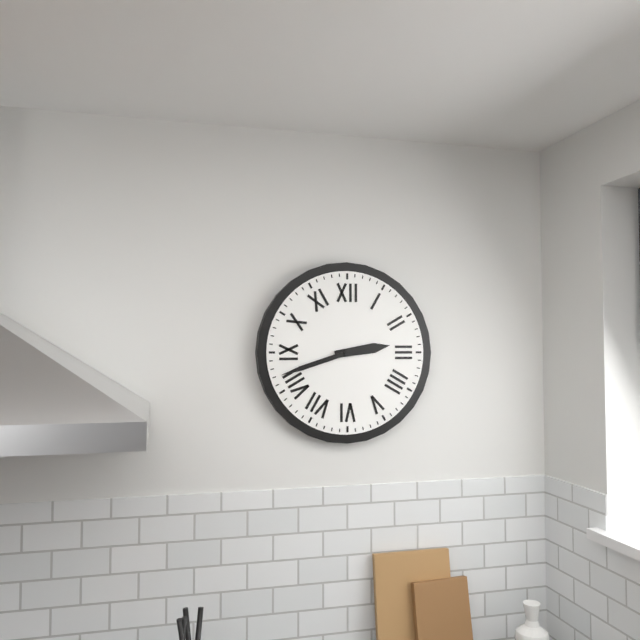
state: 2:42
